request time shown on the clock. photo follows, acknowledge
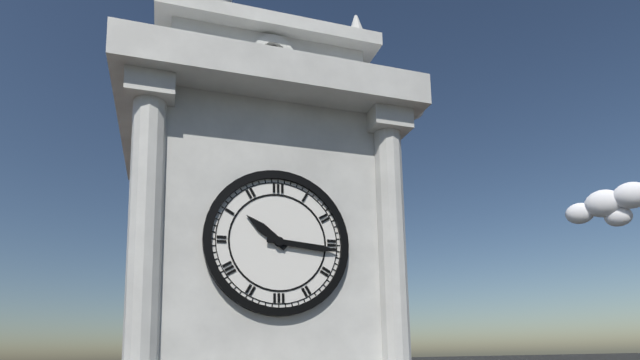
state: 10:16
